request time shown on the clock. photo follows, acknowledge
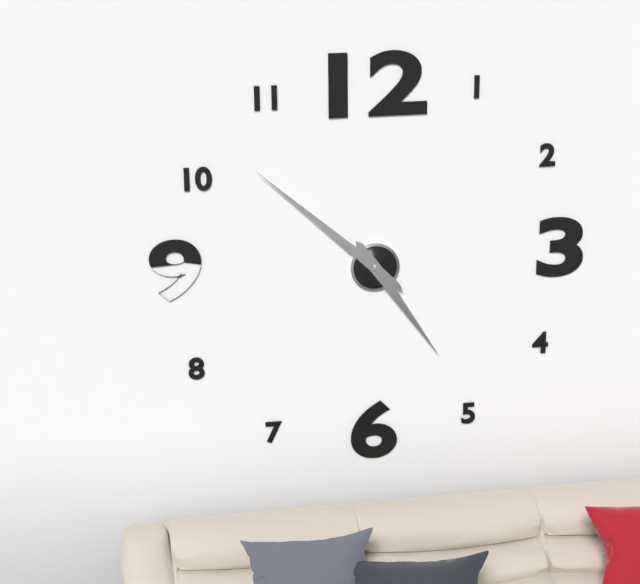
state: 4:52
